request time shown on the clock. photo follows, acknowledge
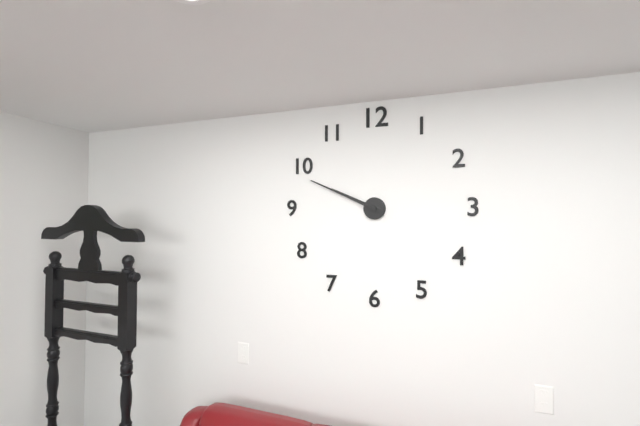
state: 9:49
